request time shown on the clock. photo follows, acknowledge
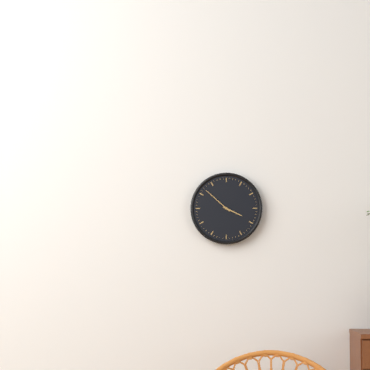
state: 3:52
